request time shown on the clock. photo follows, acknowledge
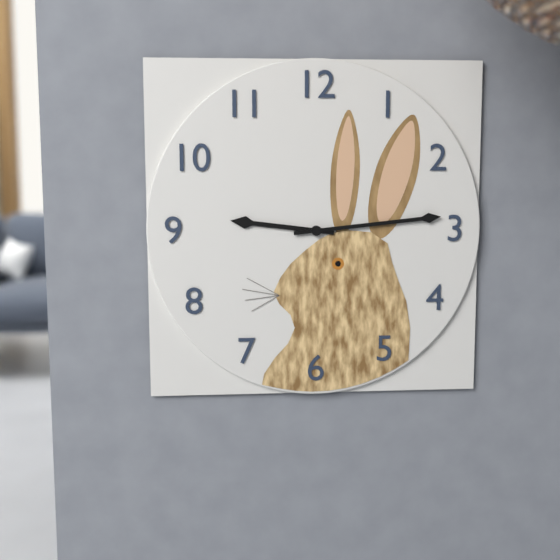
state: 9:14
